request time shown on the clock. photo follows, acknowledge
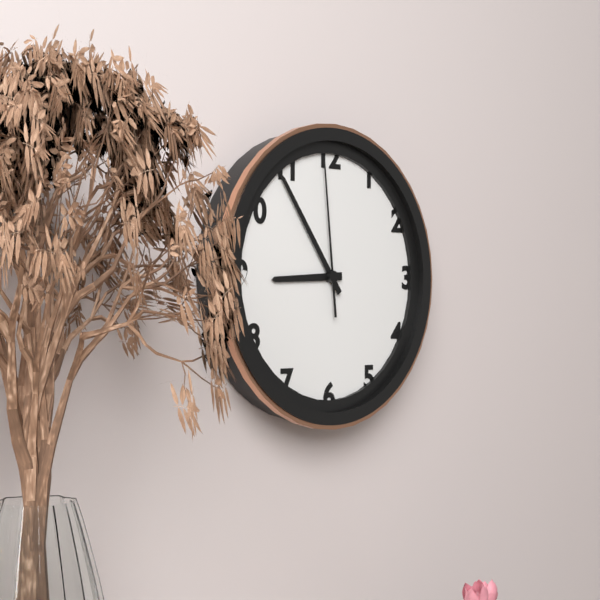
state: 8:54:59
